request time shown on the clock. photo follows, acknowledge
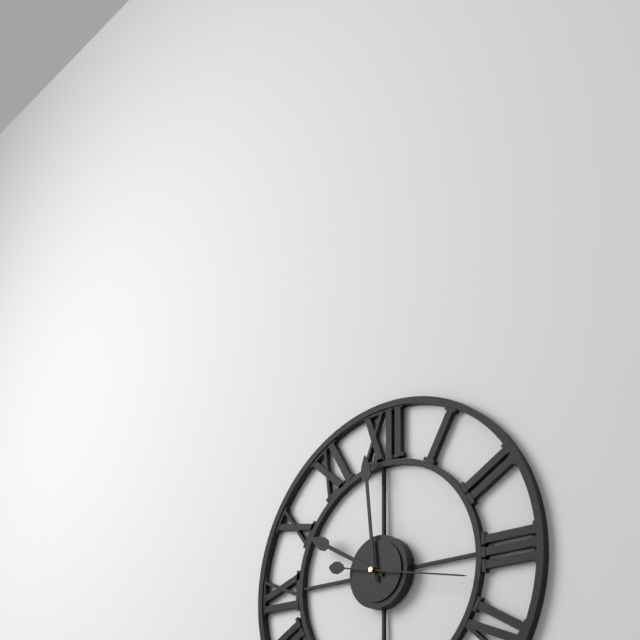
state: 9:59:17
